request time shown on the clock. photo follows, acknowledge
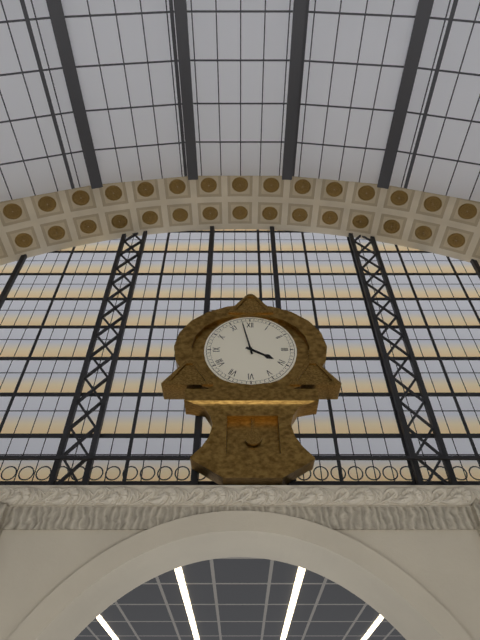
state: 3:58
